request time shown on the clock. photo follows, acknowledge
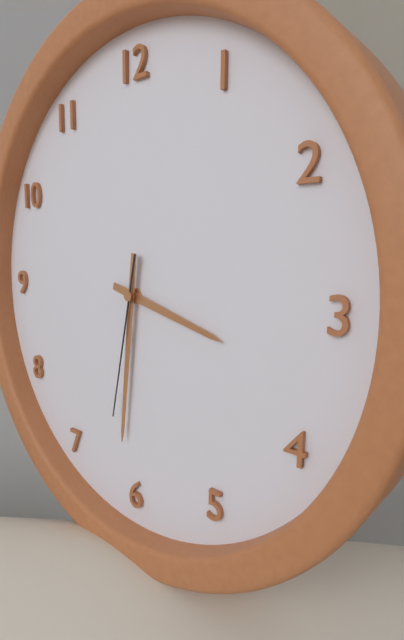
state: 3:31:32
